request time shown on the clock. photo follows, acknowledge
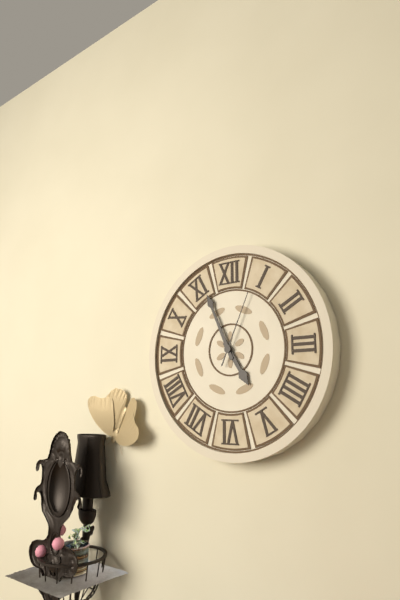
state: 4:56:04
